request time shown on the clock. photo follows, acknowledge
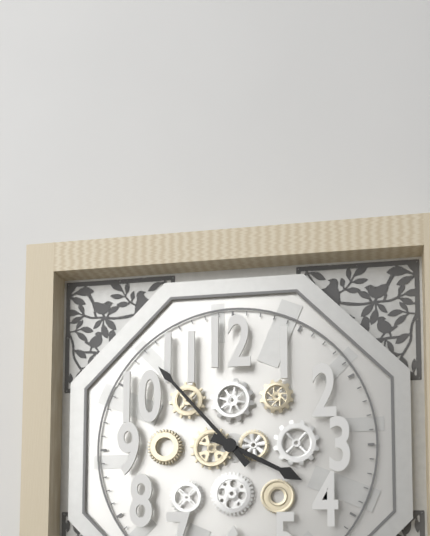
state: 3:53
